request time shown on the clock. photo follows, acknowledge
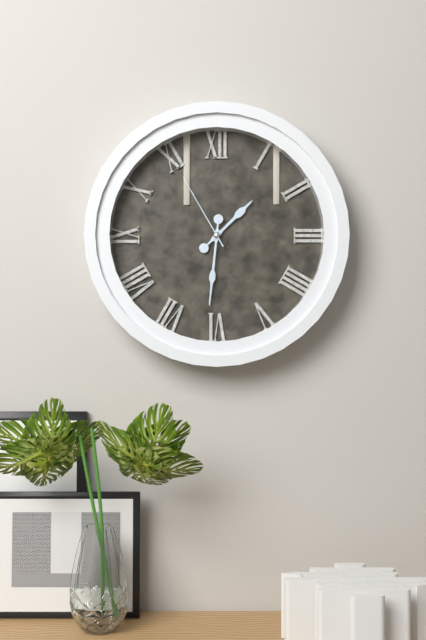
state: 1:31:55
